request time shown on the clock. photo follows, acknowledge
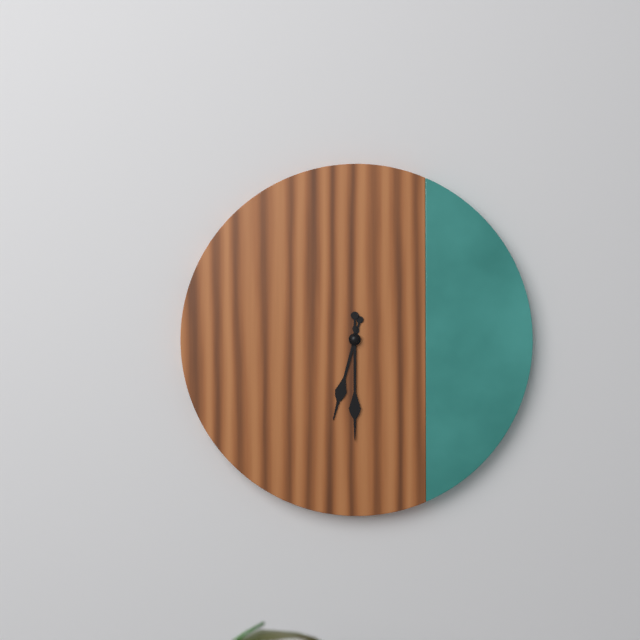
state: 6:30
